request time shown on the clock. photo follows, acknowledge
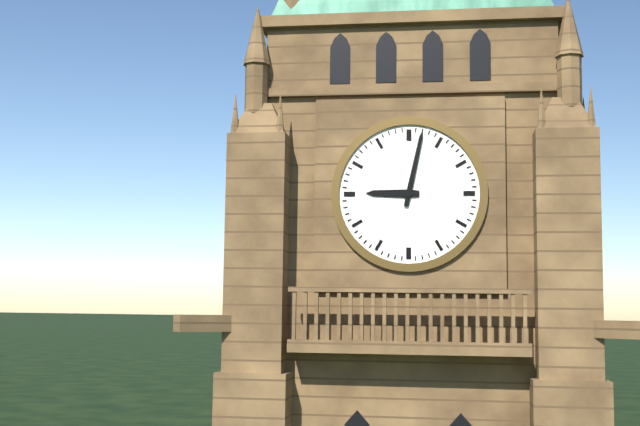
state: 9:02
